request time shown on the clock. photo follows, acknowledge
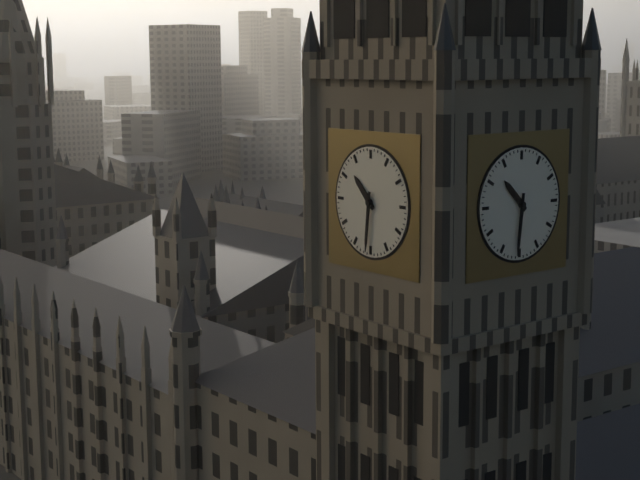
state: 10:31
